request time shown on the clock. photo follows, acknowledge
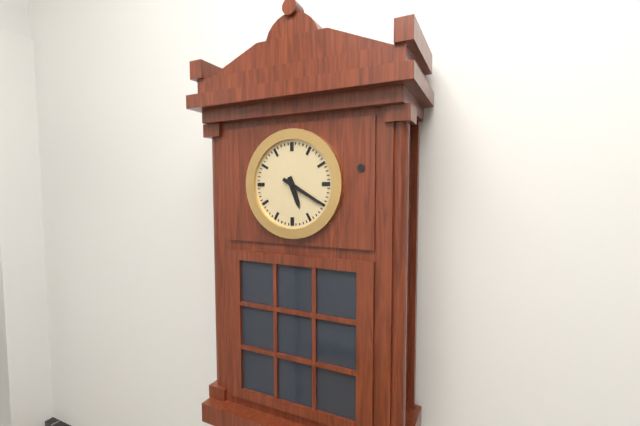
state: 5:20
